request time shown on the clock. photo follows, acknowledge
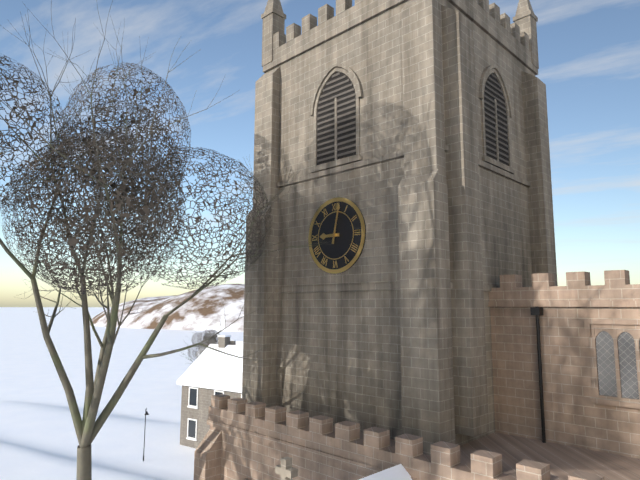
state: 9:02
